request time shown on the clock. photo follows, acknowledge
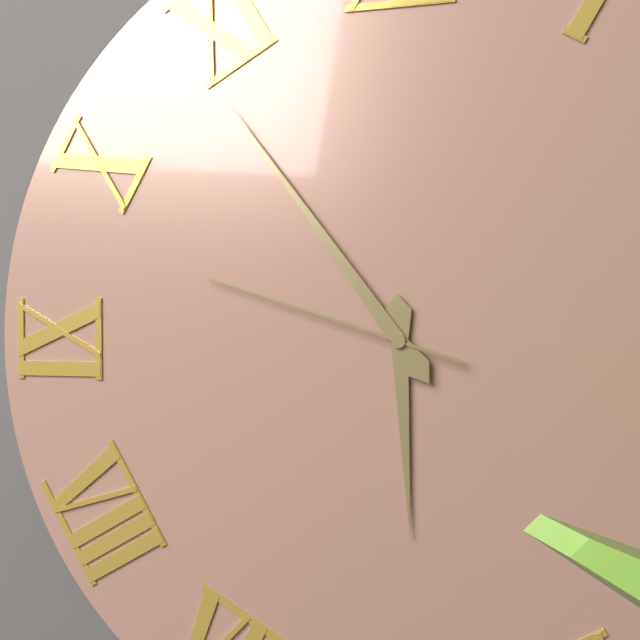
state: 5:54:48
